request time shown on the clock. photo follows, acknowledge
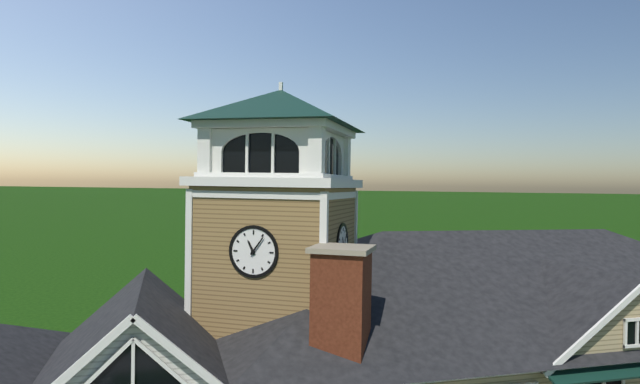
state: 11:06
